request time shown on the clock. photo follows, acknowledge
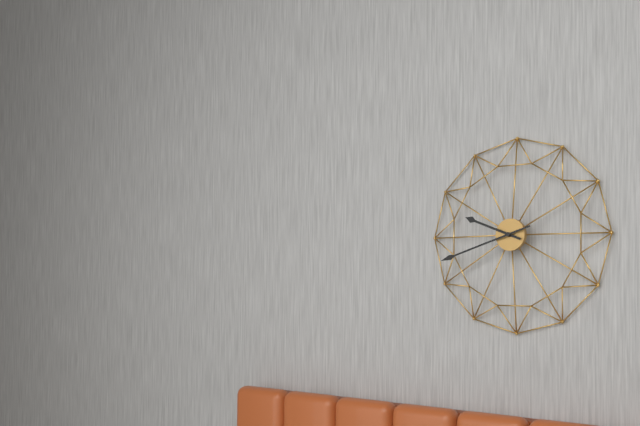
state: 9:42
